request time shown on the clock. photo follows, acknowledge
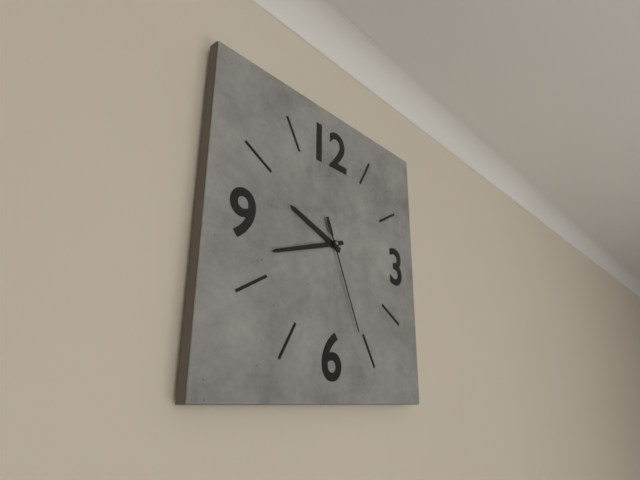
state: 9:42:26
